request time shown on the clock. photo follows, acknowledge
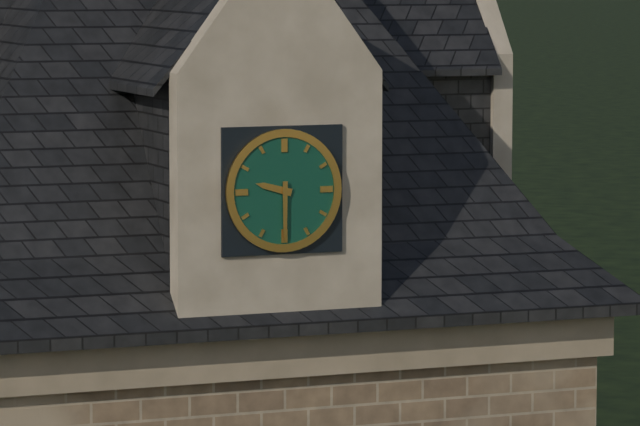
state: 9:30
